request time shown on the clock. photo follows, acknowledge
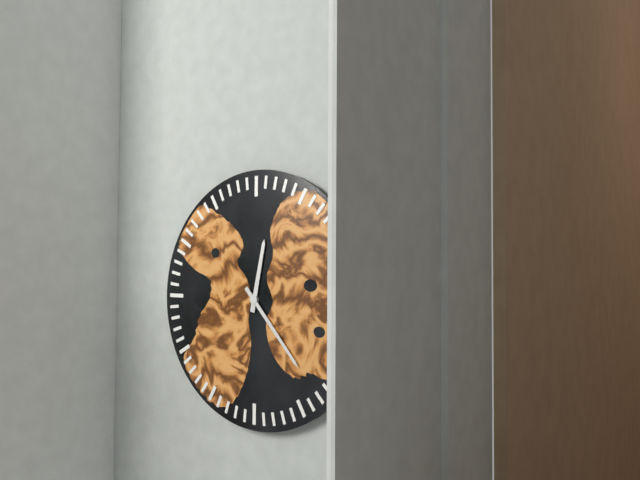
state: 12:23
